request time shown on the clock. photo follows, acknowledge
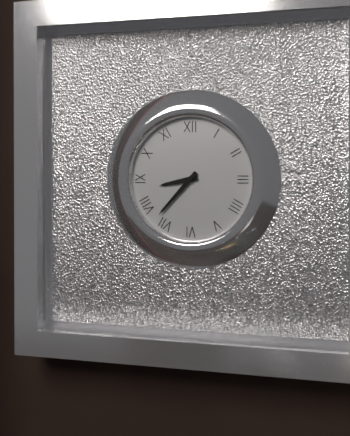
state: 8:37
